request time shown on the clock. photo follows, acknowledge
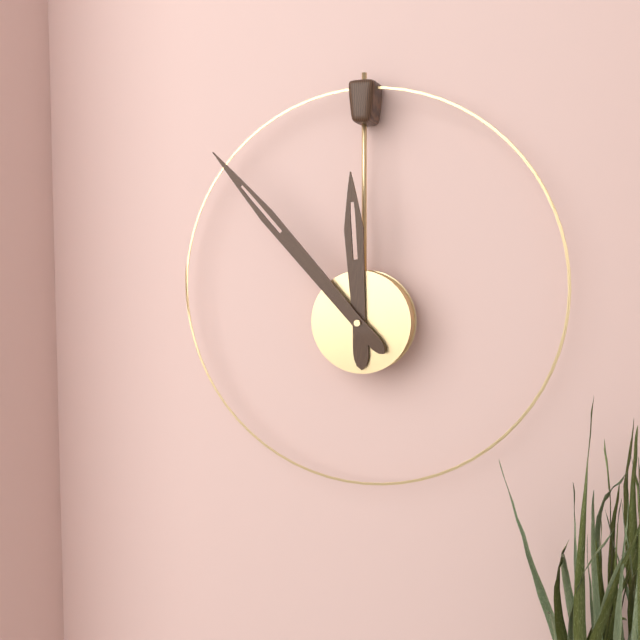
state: 11:53
